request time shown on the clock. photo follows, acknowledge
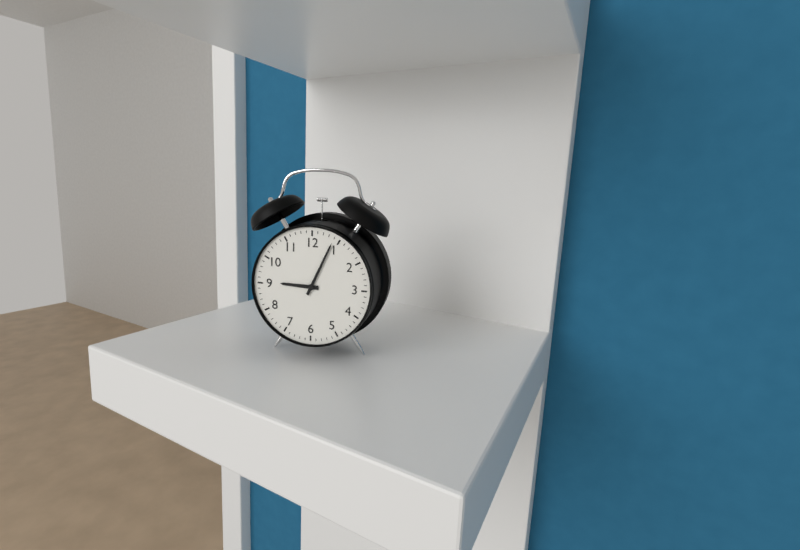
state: 9:04
